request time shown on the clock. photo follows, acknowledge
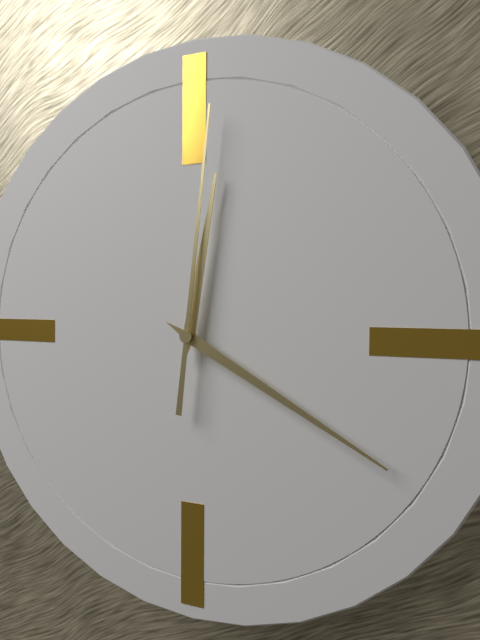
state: 12:20:01
